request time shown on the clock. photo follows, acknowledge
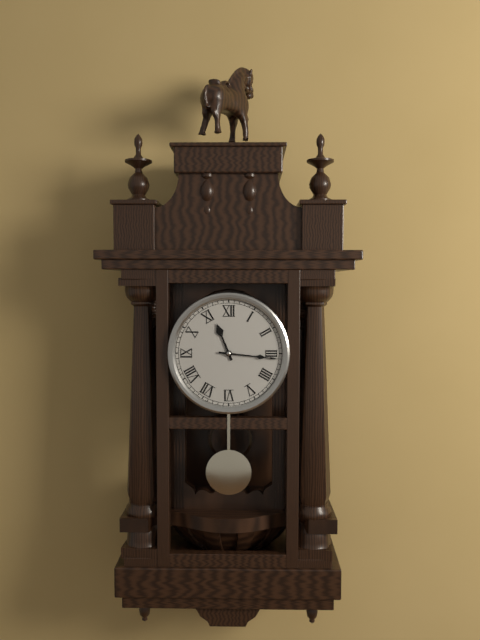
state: 11:16
